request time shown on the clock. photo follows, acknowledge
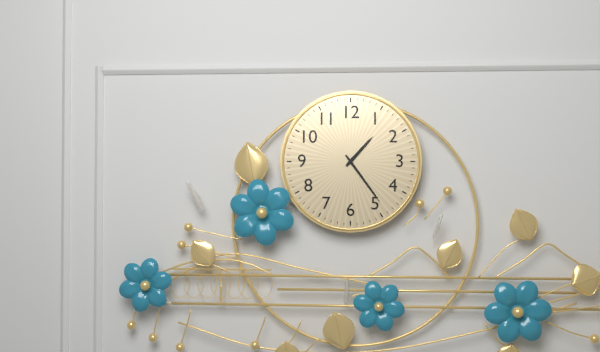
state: 1:24
